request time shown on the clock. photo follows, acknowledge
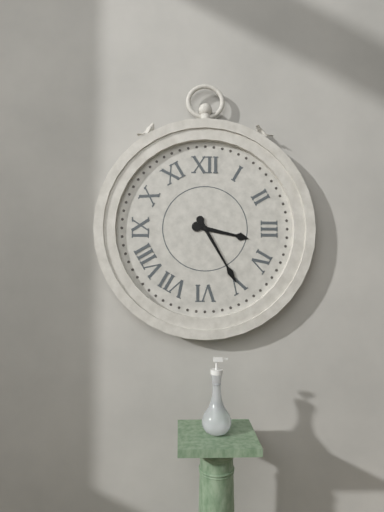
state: 3:25
